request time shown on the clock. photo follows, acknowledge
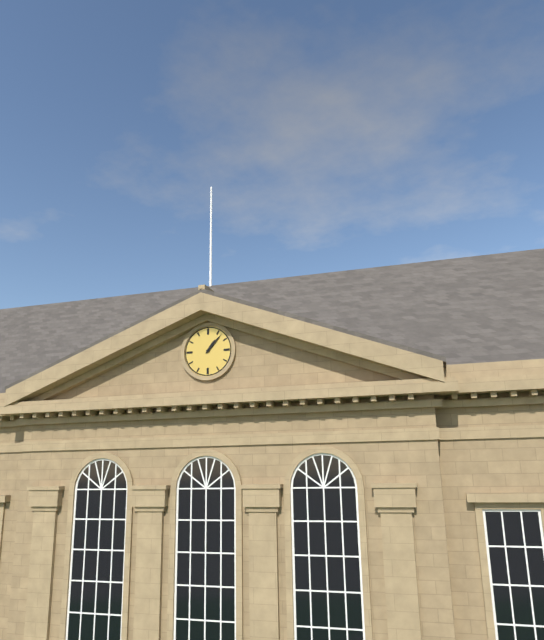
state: 1:07
